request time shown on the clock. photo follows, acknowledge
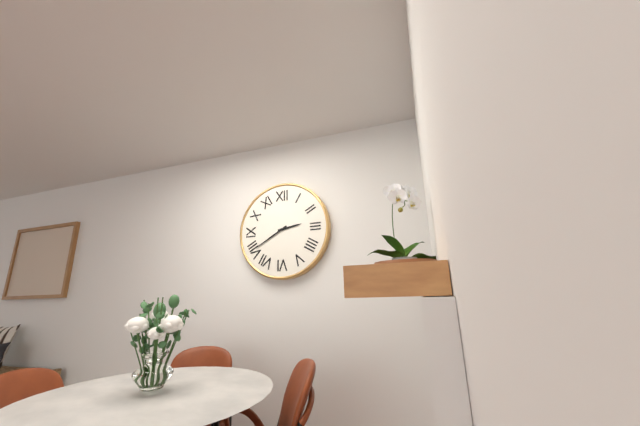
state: 2:40
